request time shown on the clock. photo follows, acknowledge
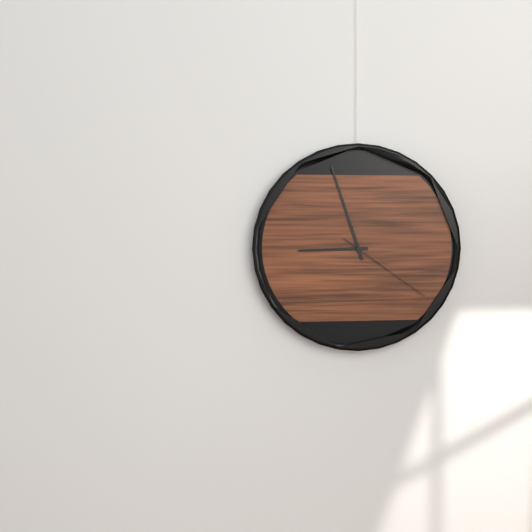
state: 8:57:21
